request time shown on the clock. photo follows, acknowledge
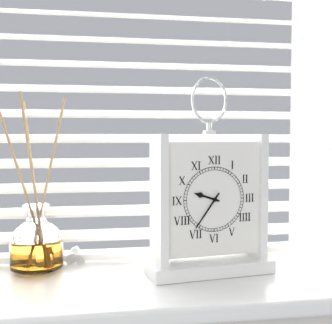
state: 9:36
